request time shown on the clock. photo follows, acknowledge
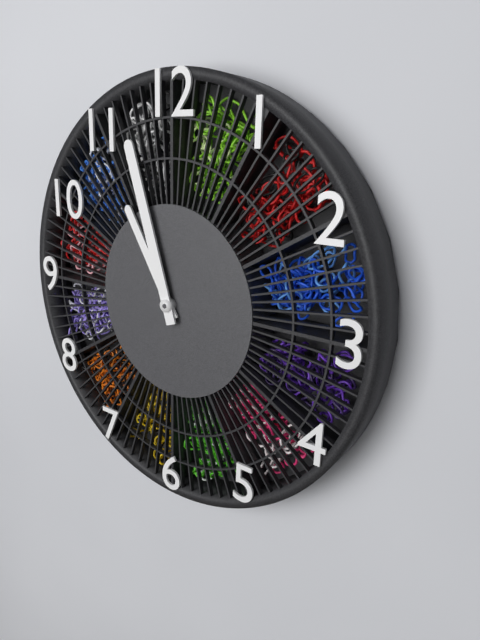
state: 10:57
